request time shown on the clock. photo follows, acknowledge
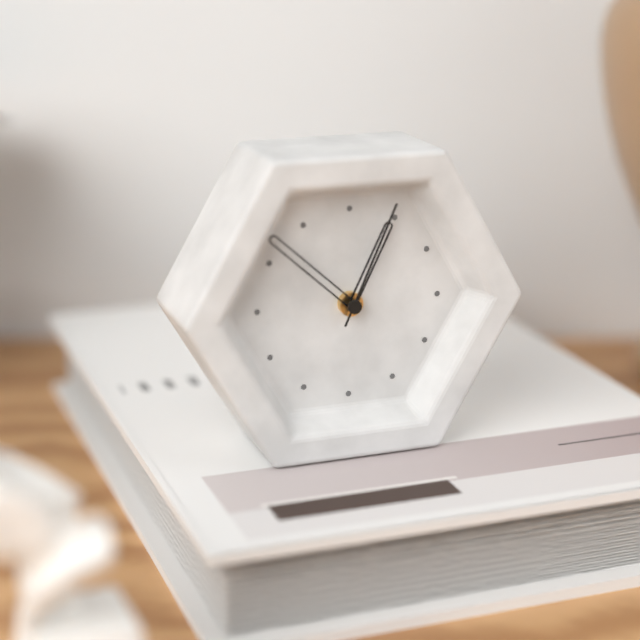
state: 12:52:04
